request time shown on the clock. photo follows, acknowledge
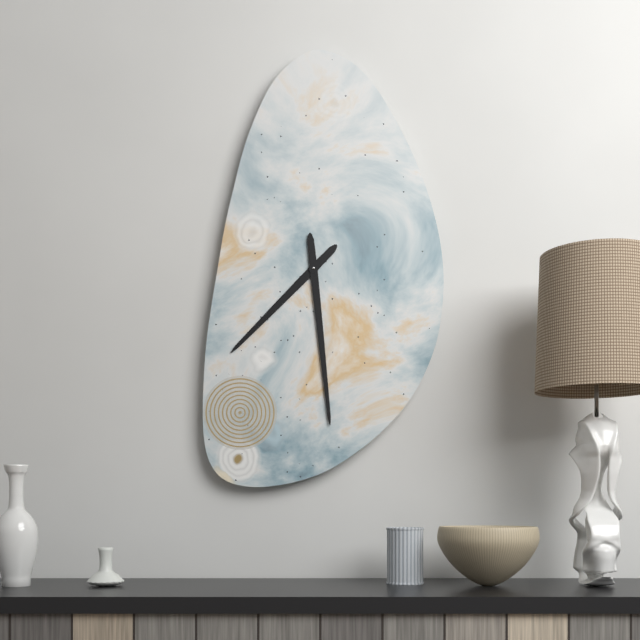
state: 7:29
